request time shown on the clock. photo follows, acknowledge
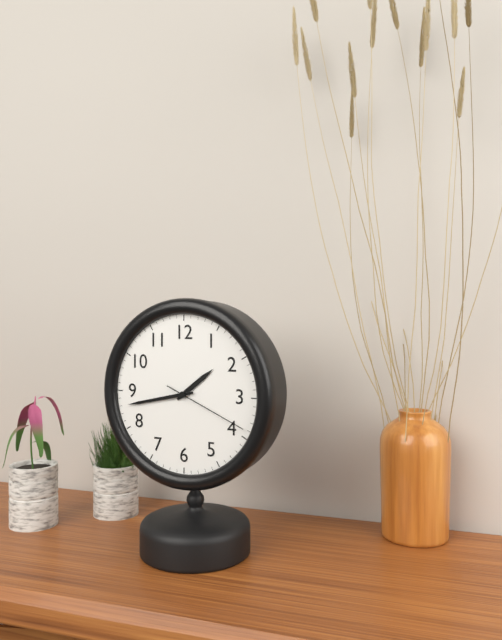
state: 1:43:19
